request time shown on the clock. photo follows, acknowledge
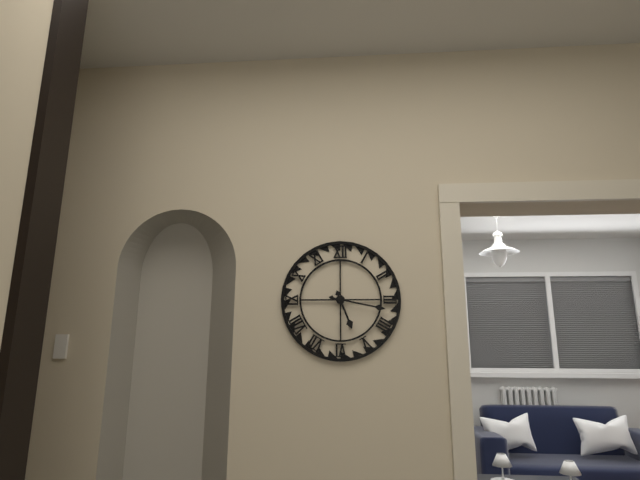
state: 5:17
